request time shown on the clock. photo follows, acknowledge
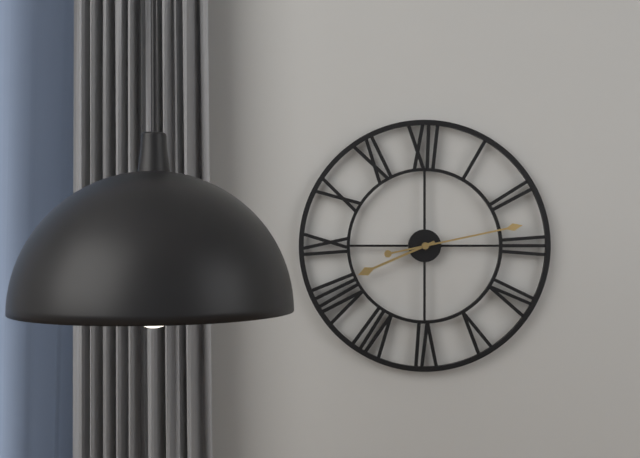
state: 8:13
